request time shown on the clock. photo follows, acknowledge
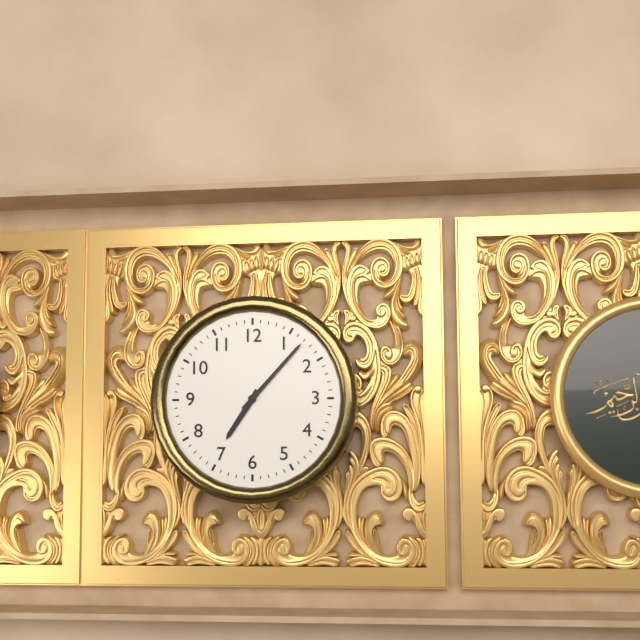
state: 7:07
